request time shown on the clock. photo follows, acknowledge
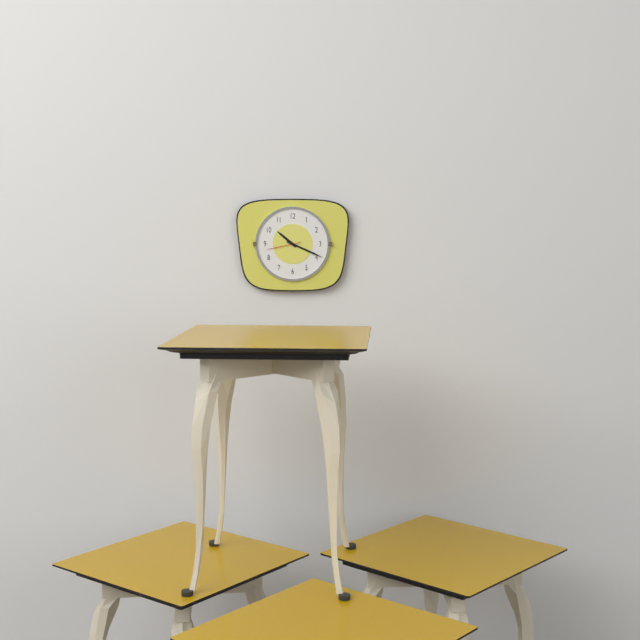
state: 10:19
